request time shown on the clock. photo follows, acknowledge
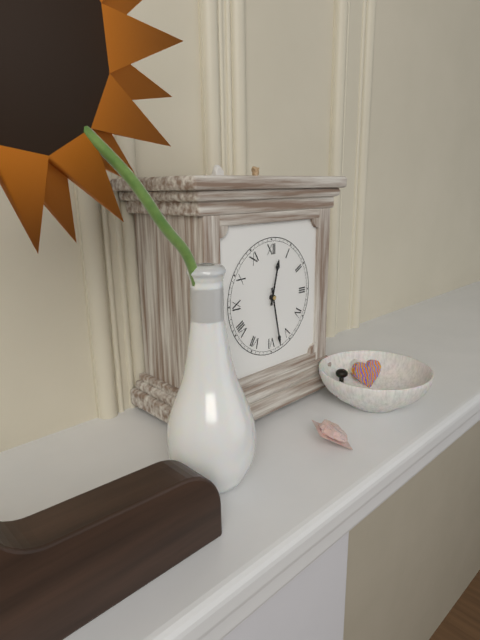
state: 12:28
